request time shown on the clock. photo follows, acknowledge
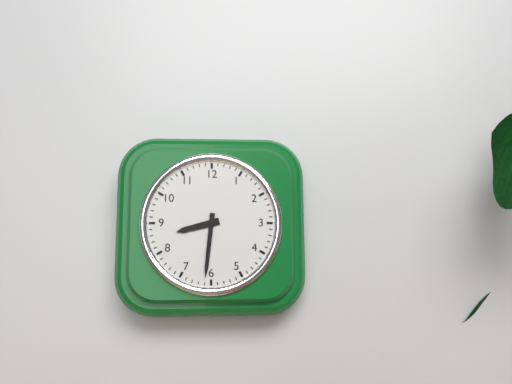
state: 8:31
